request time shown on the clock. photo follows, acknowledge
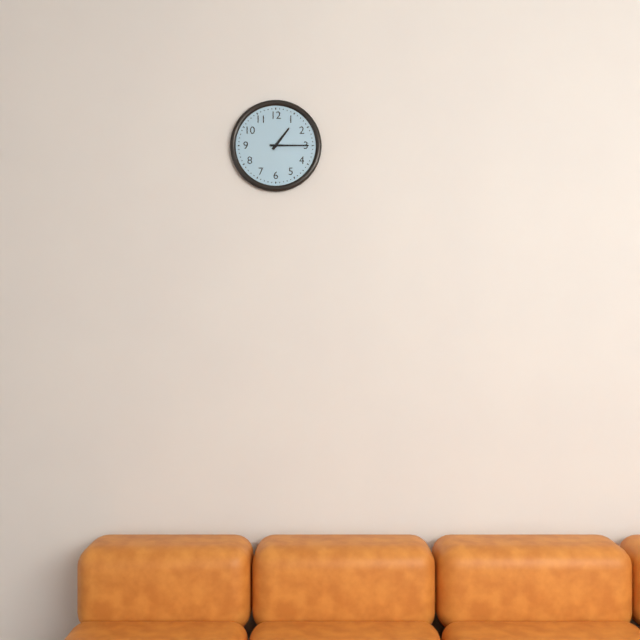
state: 1:15
